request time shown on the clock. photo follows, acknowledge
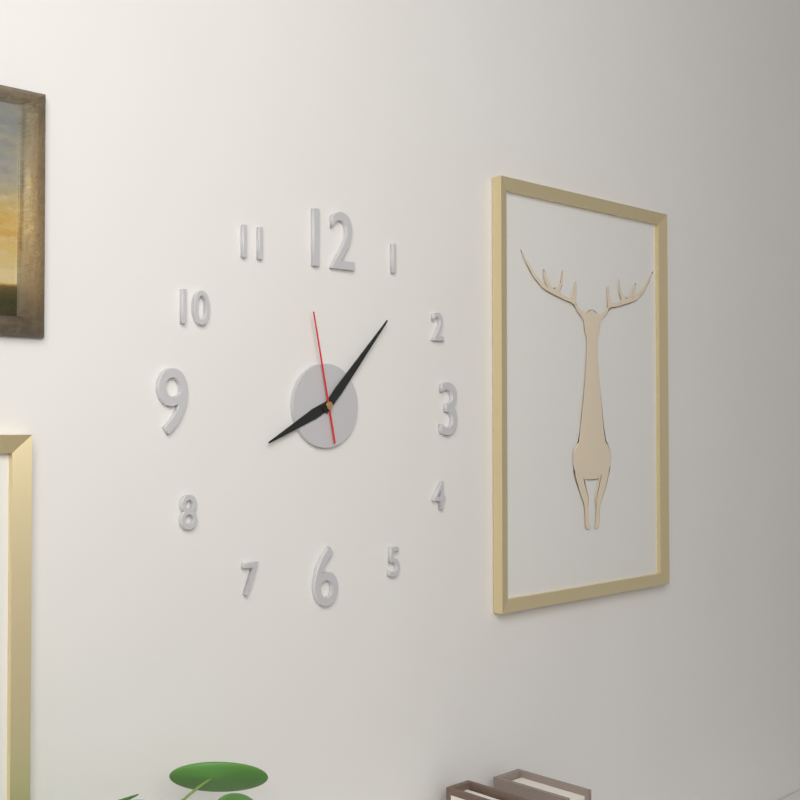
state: 8:07:58
